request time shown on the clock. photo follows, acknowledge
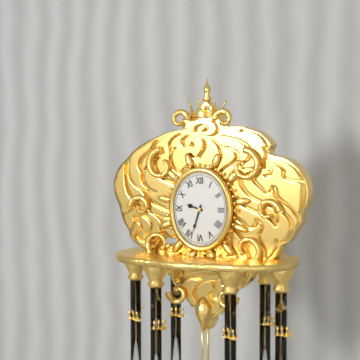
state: 9:33
